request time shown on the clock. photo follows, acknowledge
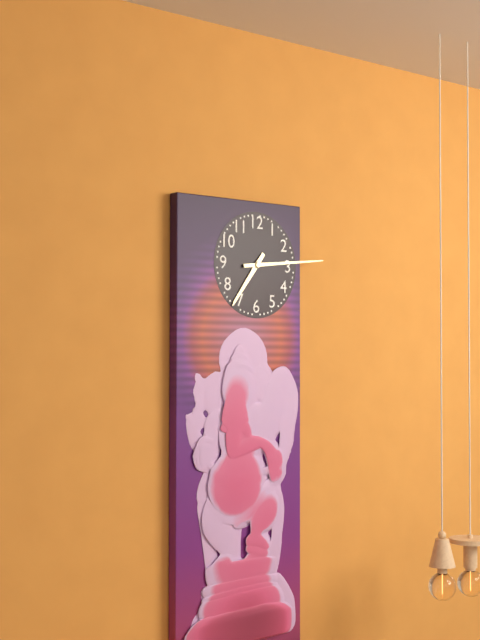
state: 7:14
